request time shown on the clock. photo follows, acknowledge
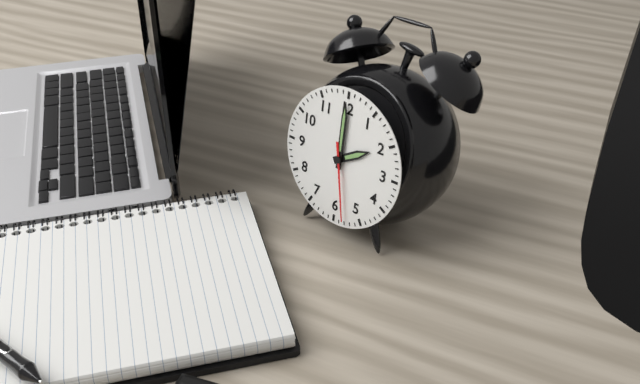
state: 2:00:28
